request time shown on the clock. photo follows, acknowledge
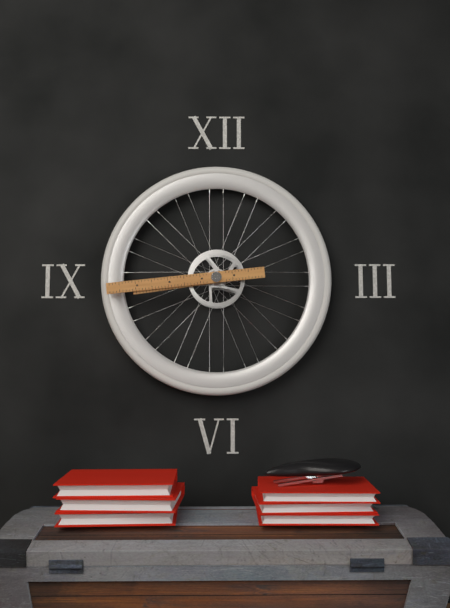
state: 8:44
